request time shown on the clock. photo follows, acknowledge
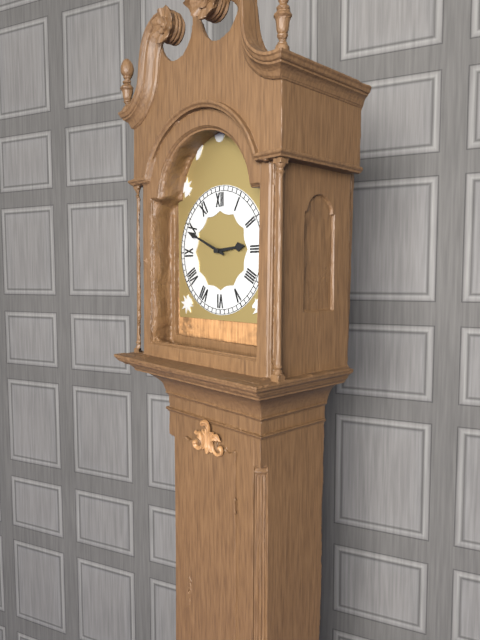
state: 2:49
